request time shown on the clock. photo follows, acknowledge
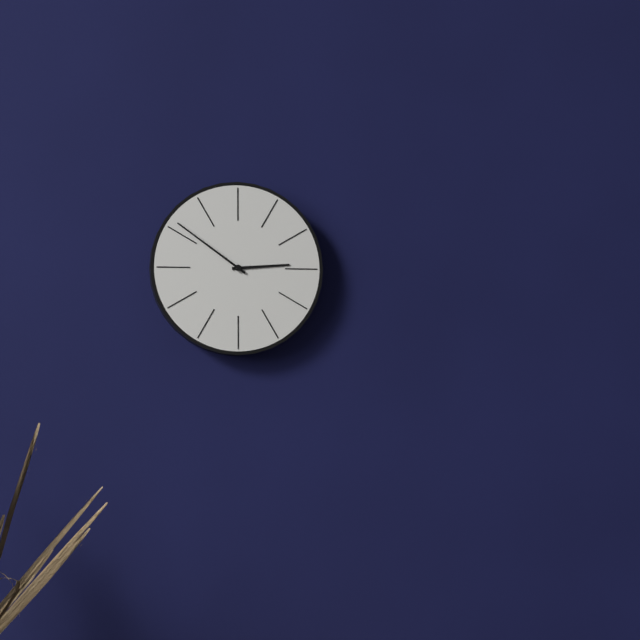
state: 2:51
